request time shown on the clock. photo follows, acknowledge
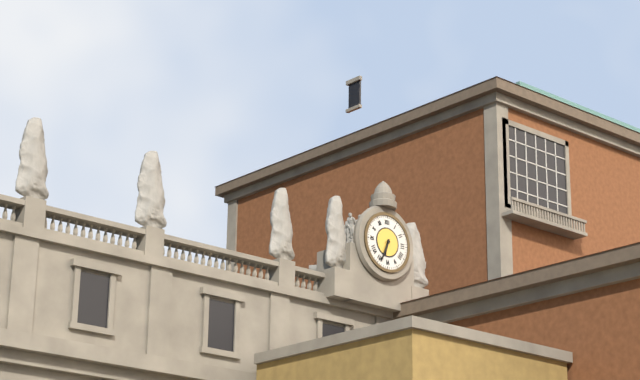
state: 6:34
